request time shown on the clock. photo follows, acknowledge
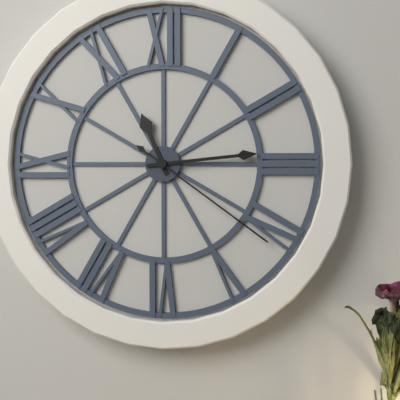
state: 11:14:21
